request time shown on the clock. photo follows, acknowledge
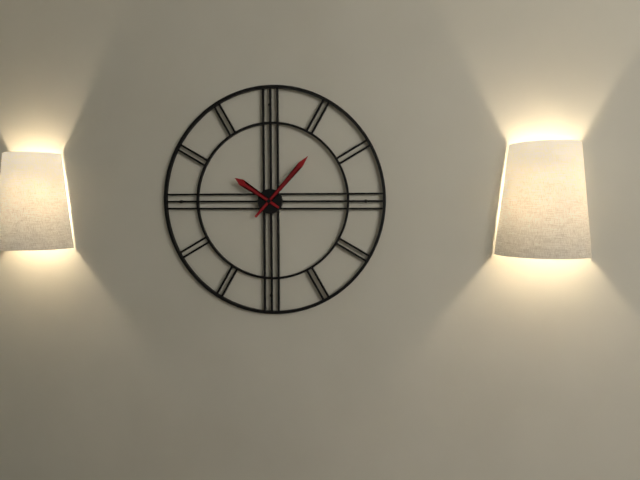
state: 10:07
